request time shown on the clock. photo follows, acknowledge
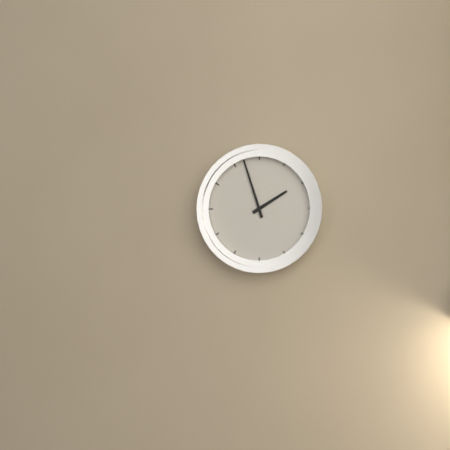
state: 1:57
